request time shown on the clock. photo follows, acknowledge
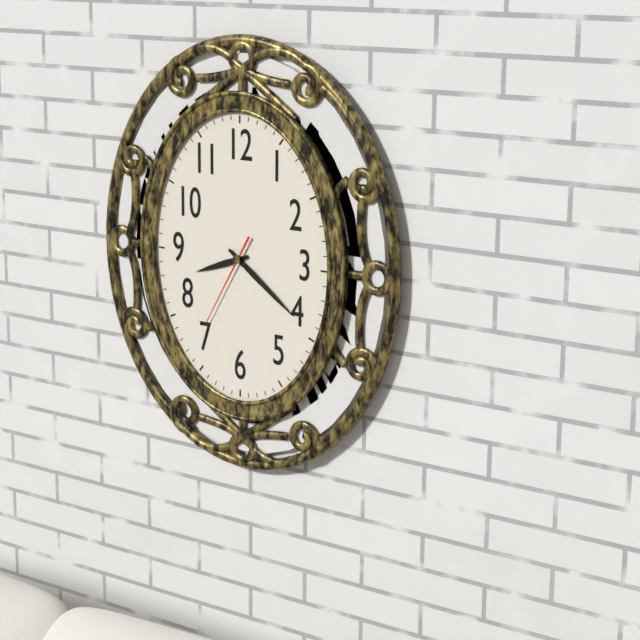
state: 8:21:35
